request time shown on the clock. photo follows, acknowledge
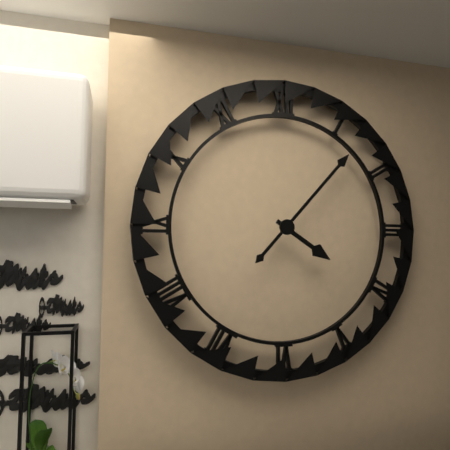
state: 4:07
